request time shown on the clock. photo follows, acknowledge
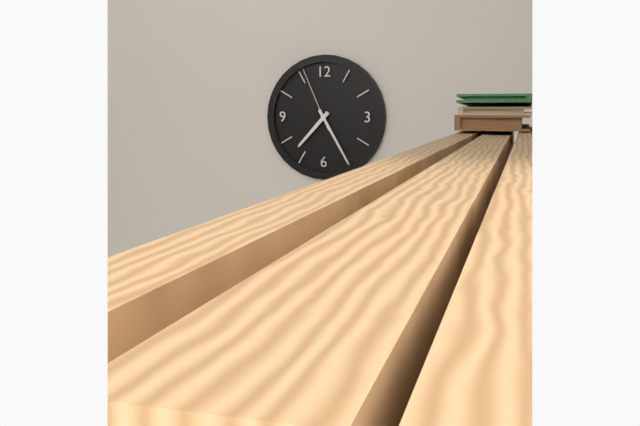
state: 7:25:56
